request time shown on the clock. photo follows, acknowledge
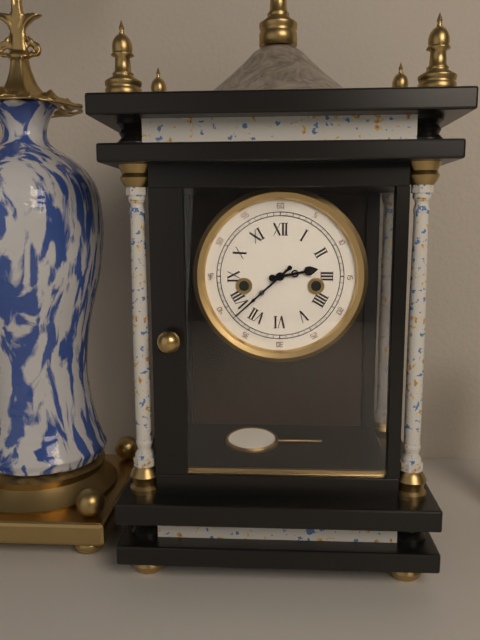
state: 2:38
